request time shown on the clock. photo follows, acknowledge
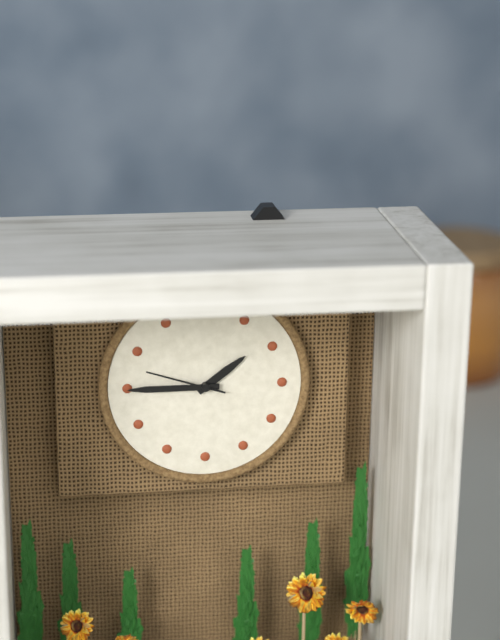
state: 1:45:48
